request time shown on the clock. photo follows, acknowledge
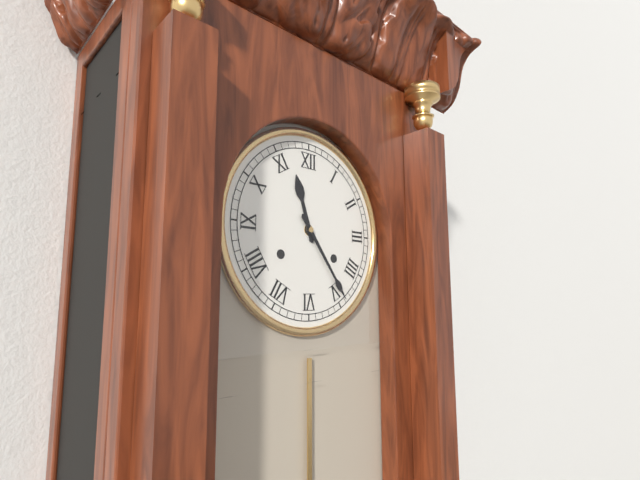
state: 11:24
